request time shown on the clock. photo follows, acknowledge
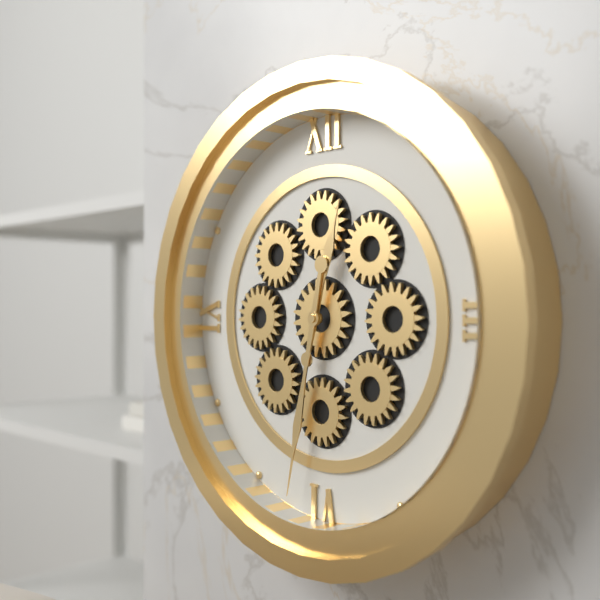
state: 12:32
